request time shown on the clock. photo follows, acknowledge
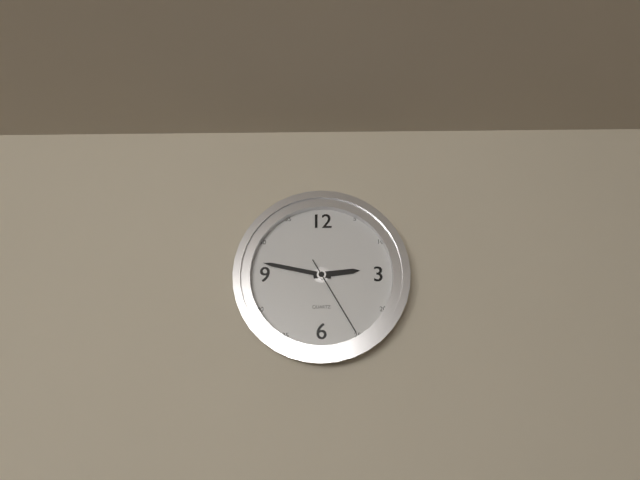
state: 2:47:25
